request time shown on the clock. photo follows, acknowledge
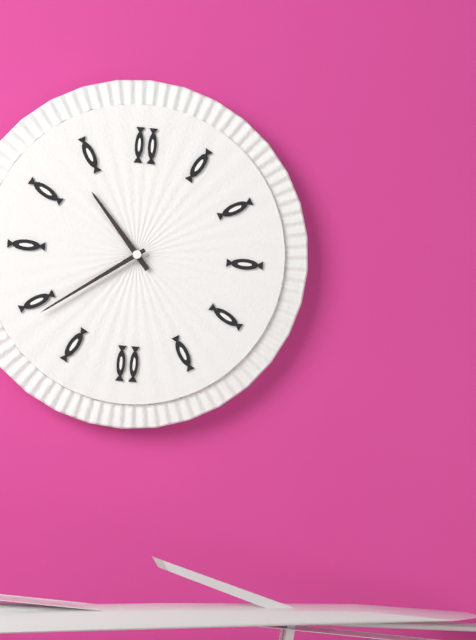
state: 10:39
